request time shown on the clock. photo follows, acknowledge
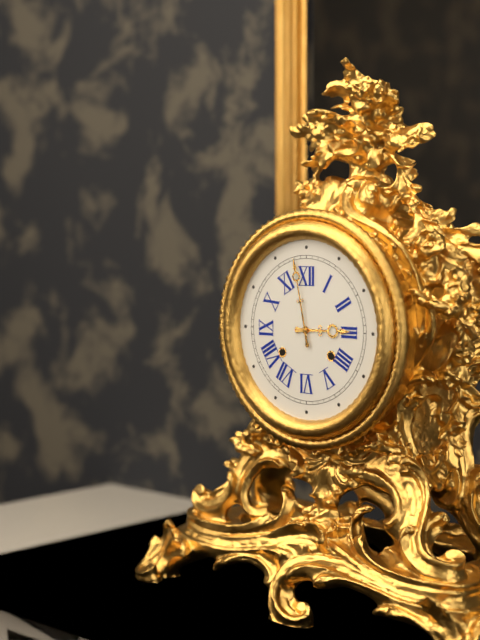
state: 2:58
